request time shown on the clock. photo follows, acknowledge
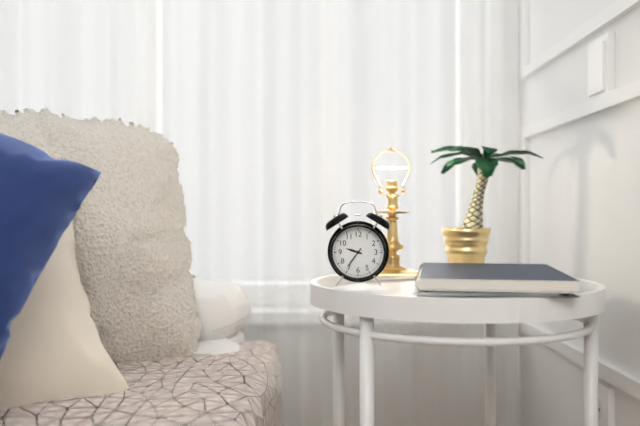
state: 9:36
